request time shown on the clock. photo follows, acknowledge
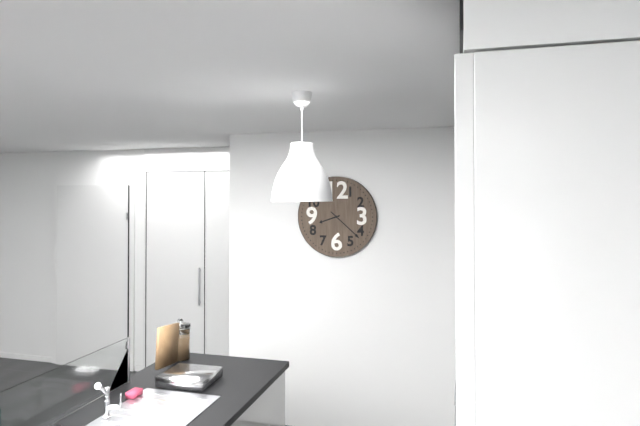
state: 8:22
